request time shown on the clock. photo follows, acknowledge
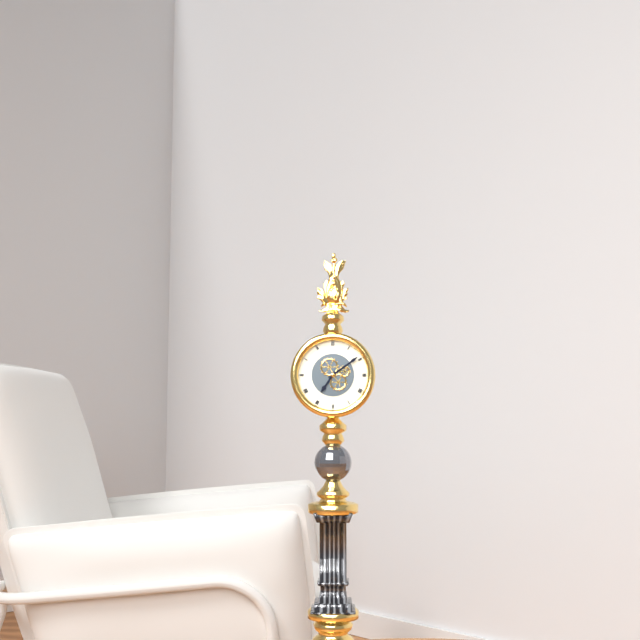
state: 7:09
